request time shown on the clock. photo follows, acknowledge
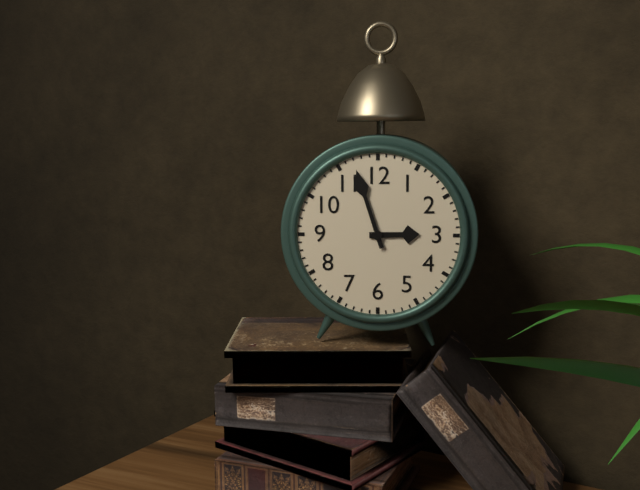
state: 2:57
